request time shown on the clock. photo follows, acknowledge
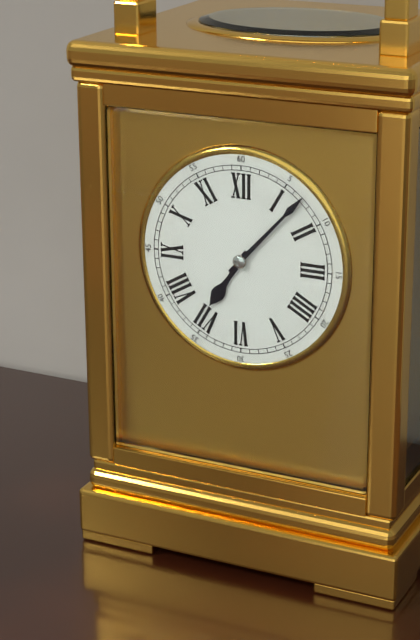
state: 7:07
